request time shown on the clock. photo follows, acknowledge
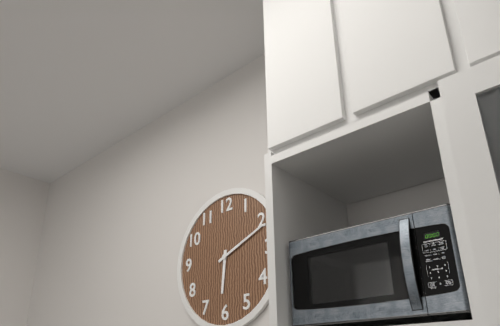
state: 6:11
